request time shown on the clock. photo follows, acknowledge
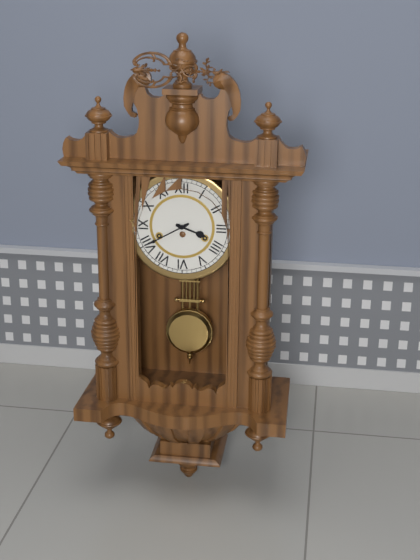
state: 3:40
